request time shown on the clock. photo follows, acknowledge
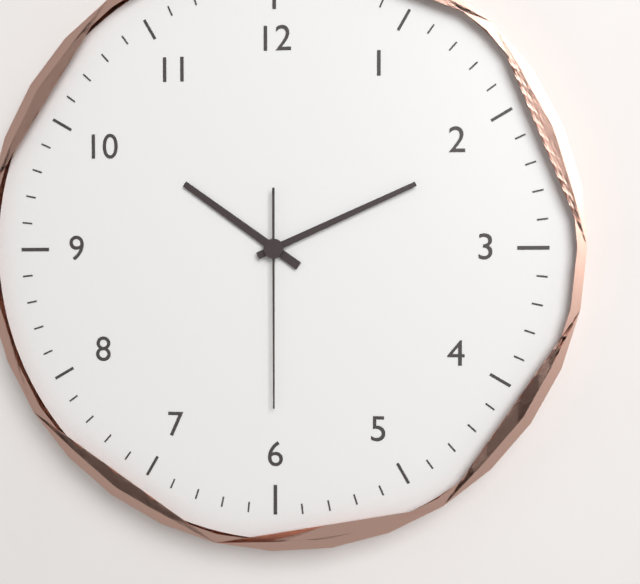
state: 10:11:30
